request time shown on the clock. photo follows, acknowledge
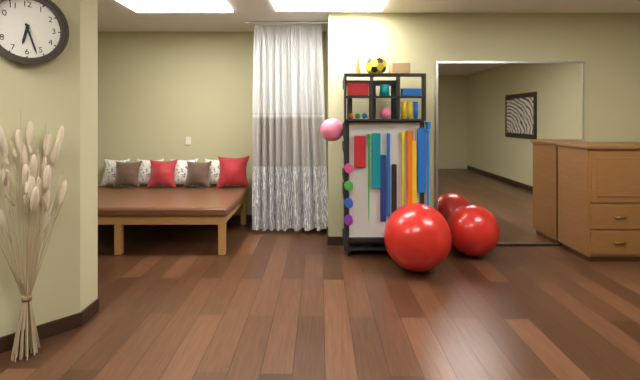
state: 6:27
